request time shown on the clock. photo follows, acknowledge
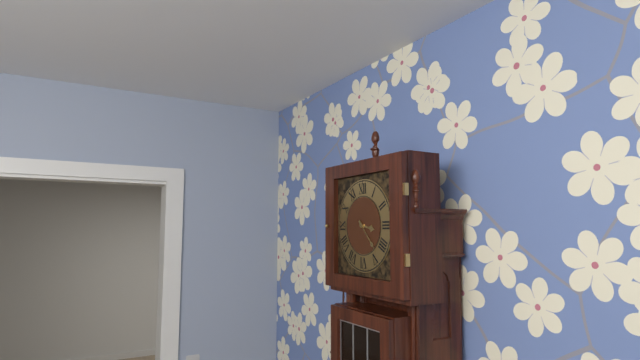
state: 3:23
